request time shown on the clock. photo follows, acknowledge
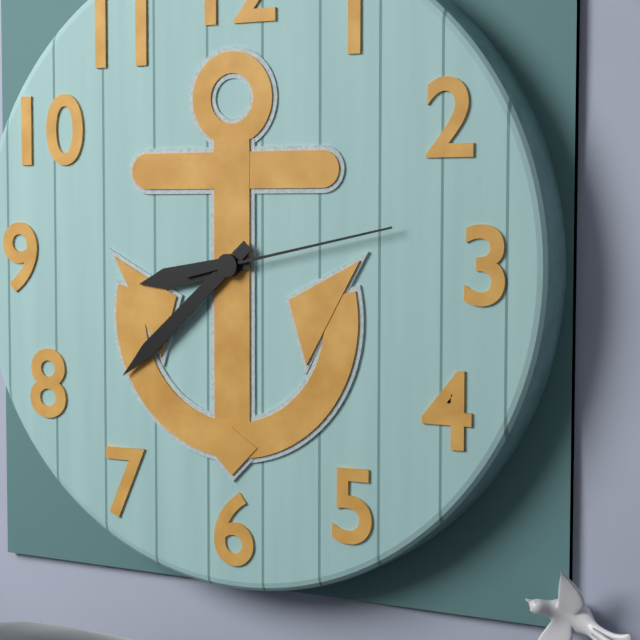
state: 8:38:13
